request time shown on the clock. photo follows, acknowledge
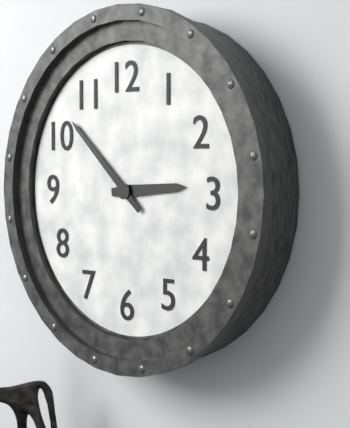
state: 2:52
